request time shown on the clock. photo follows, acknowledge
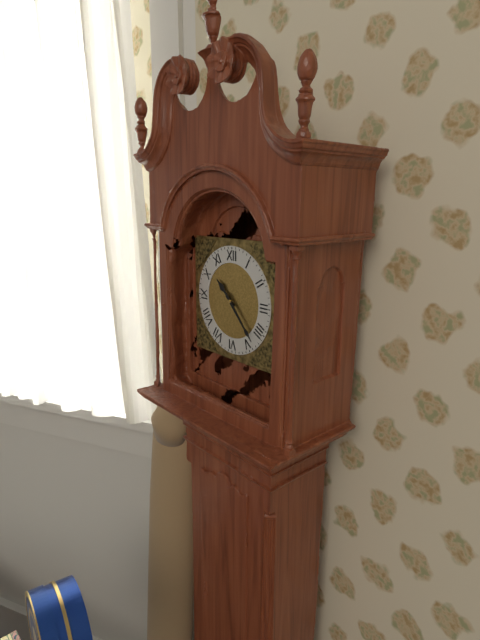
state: 10:23
